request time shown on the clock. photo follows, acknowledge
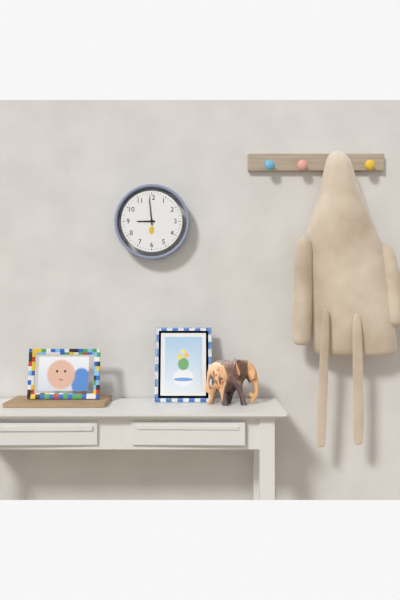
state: 8:59
